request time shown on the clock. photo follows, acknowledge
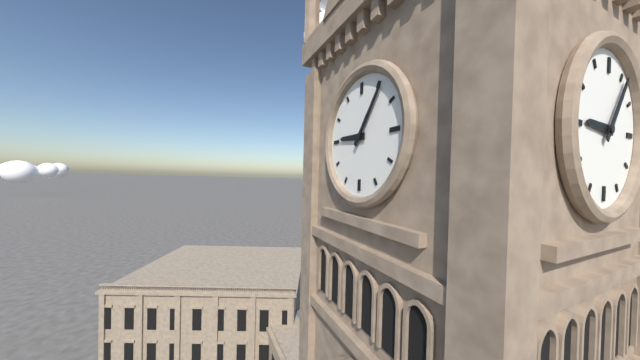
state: 9:06
